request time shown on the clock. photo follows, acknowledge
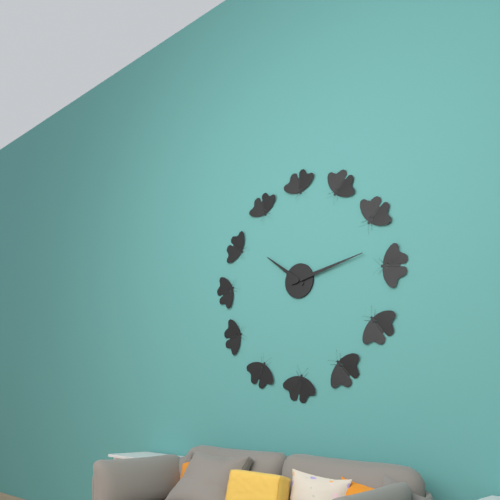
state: 10:13
